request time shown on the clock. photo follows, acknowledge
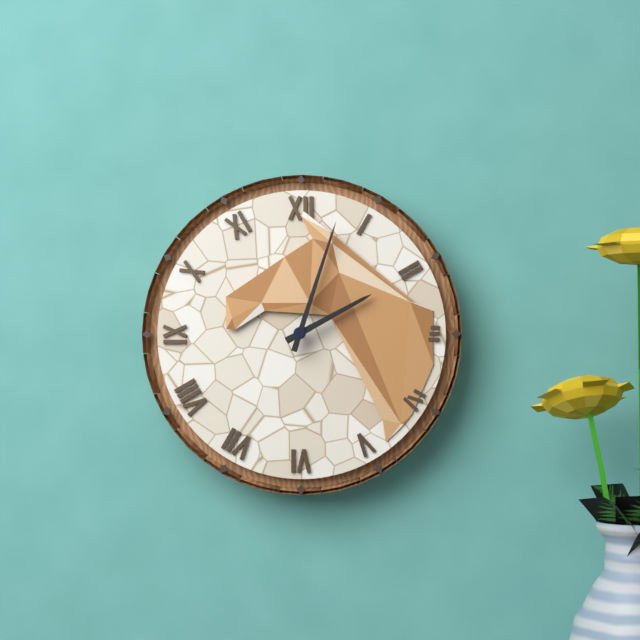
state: 2:03
